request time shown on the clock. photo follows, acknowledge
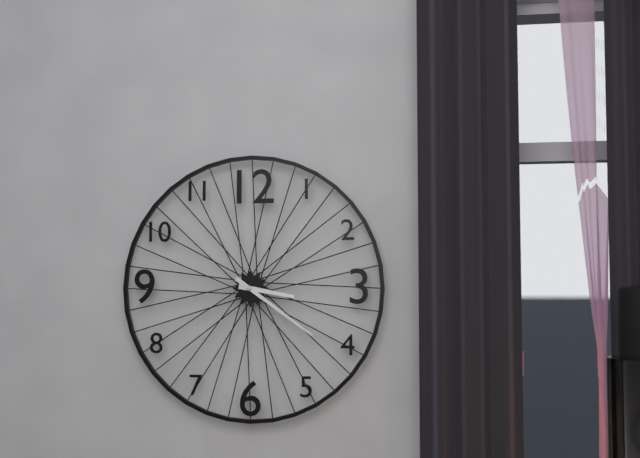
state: 3:21
